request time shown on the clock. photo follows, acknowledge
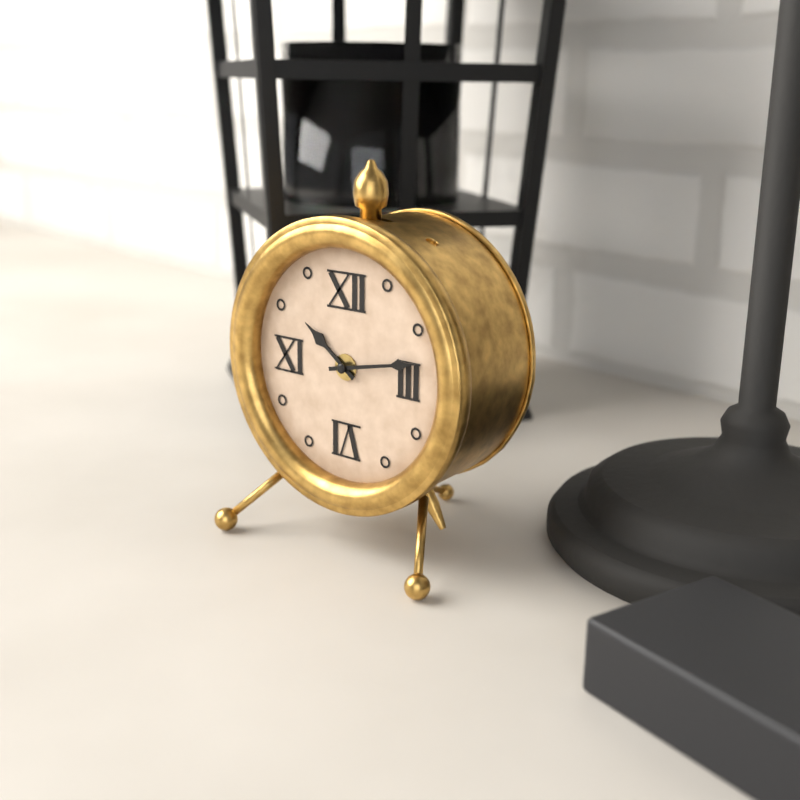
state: 10:13
